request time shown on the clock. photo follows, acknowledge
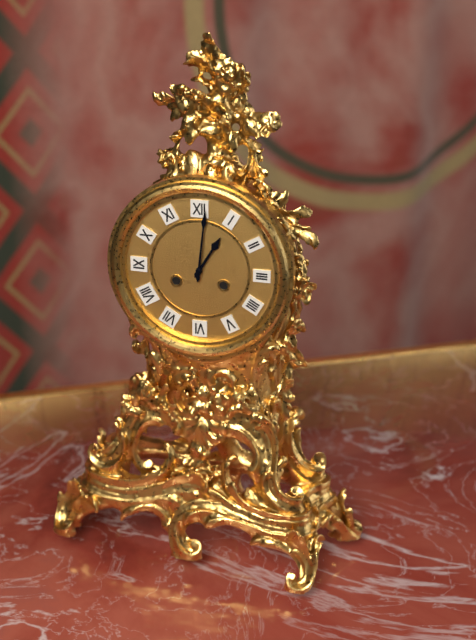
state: 1:01
